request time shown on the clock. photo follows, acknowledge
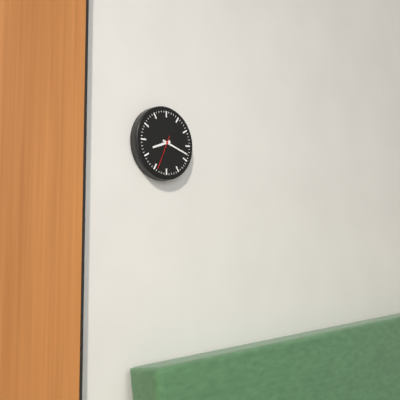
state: 8:18
